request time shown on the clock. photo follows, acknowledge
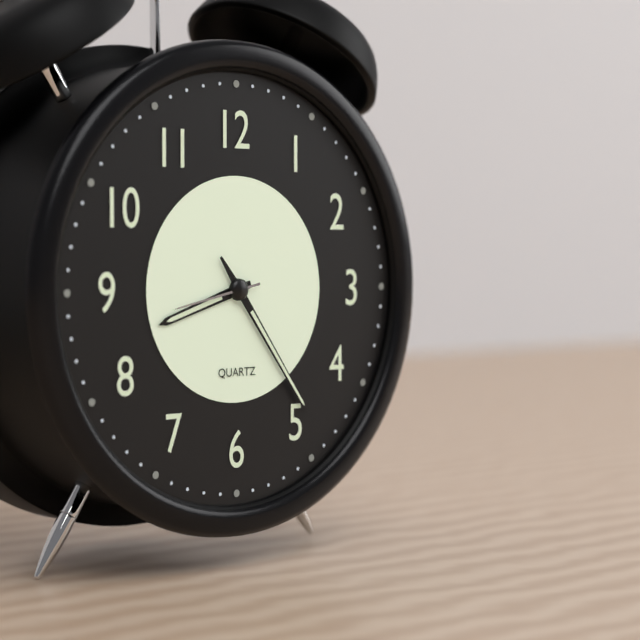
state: 8:24:43
